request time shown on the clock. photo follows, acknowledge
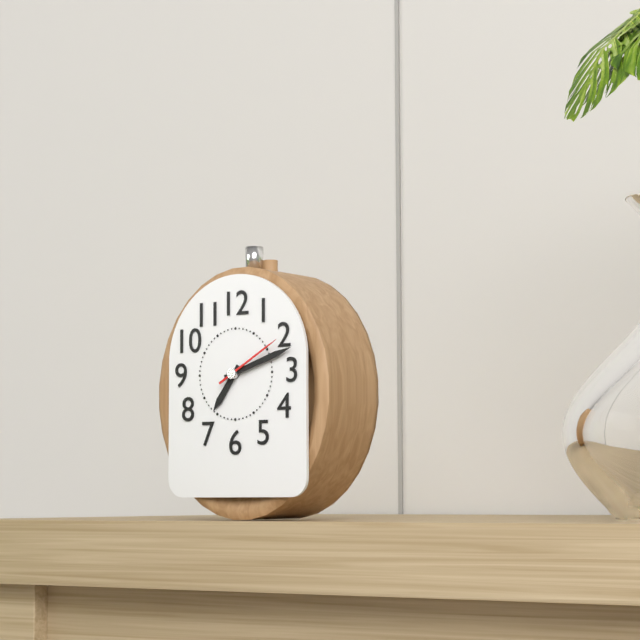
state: 7:12:10
